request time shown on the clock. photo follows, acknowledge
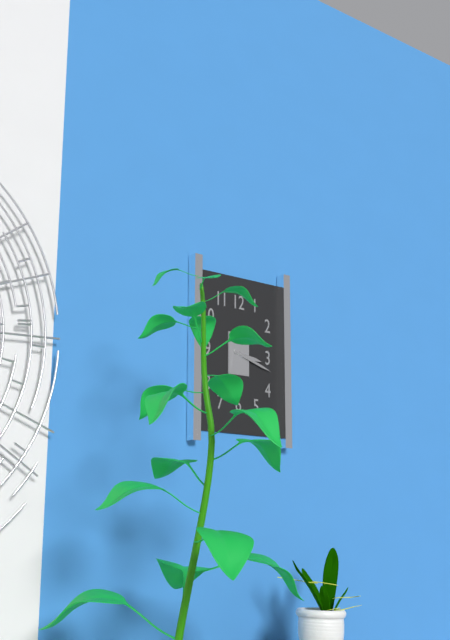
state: 3:18
